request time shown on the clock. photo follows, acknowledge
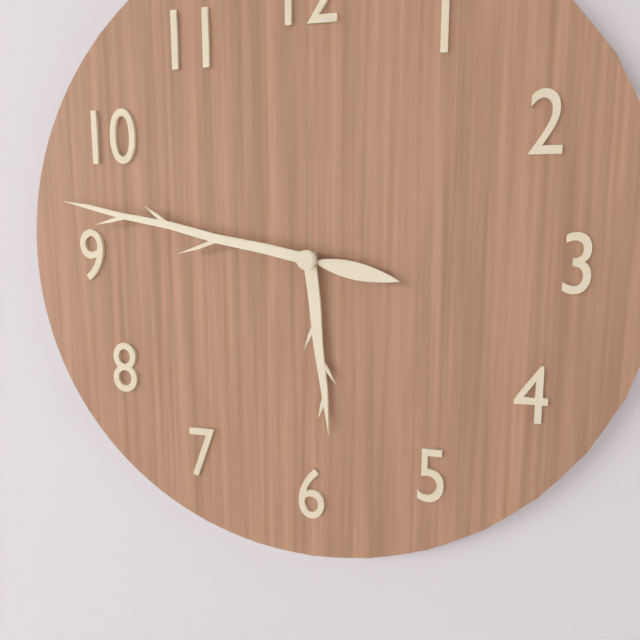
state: 5:47
